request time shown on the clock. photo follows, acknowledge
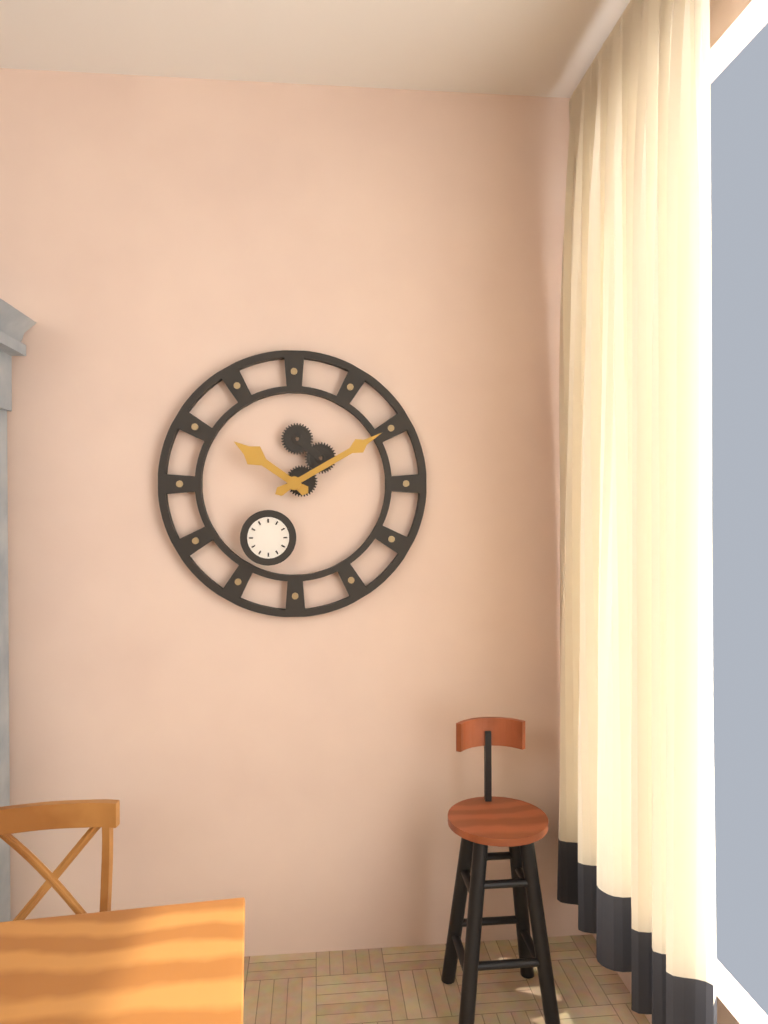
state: 10:10
